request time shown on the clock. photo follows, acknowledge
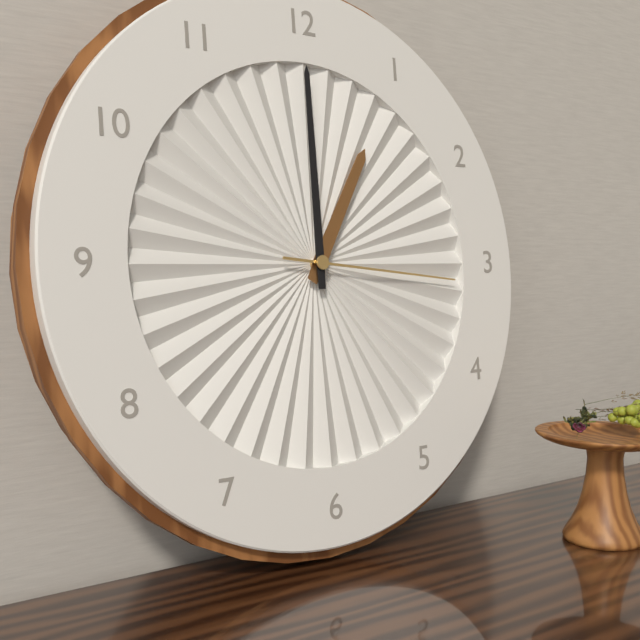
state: 1:00:16
